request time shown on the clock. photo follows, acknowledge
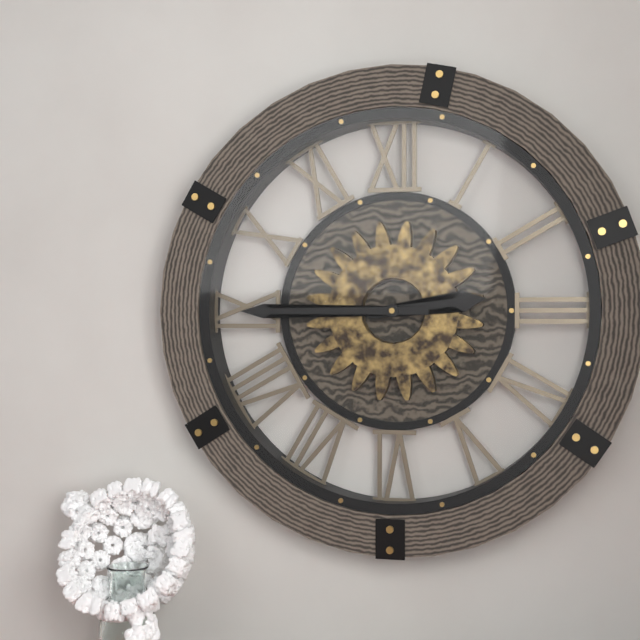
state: 2:45
